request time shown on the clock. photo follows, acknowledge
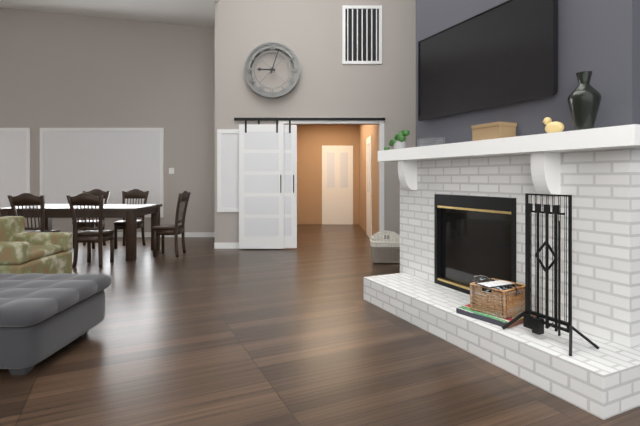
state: 9:03
